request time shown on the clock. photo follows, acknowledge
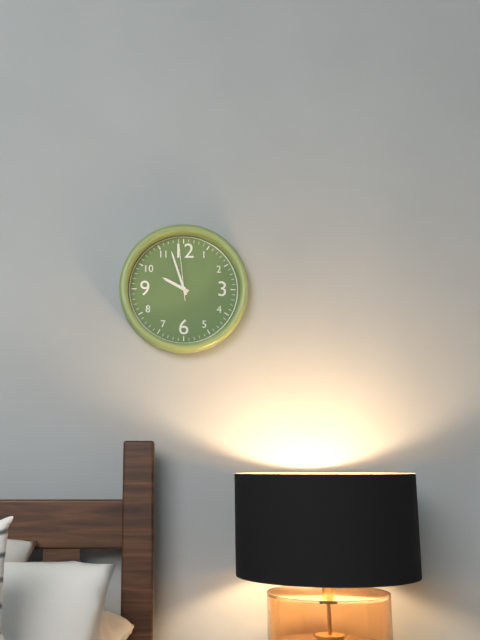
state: 9:57:59
